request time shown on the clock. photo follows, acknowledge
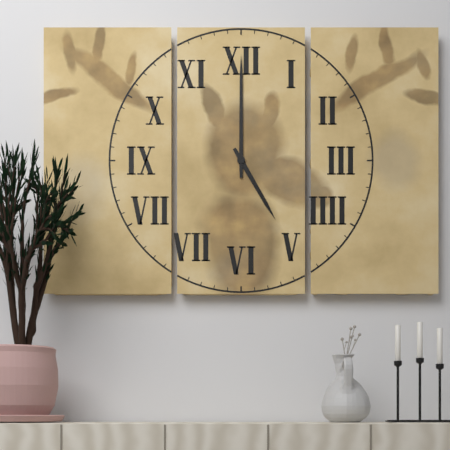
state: 5:00
